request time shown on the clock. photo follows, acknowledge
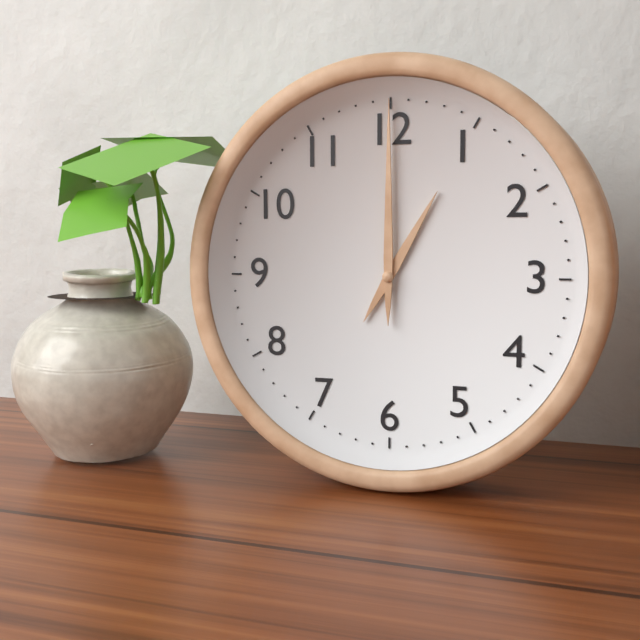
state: 1:00
